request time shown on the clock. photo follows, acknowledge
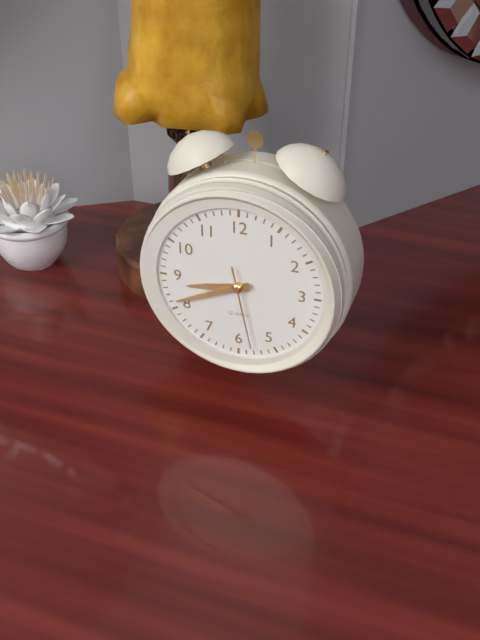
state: 8:41:28
